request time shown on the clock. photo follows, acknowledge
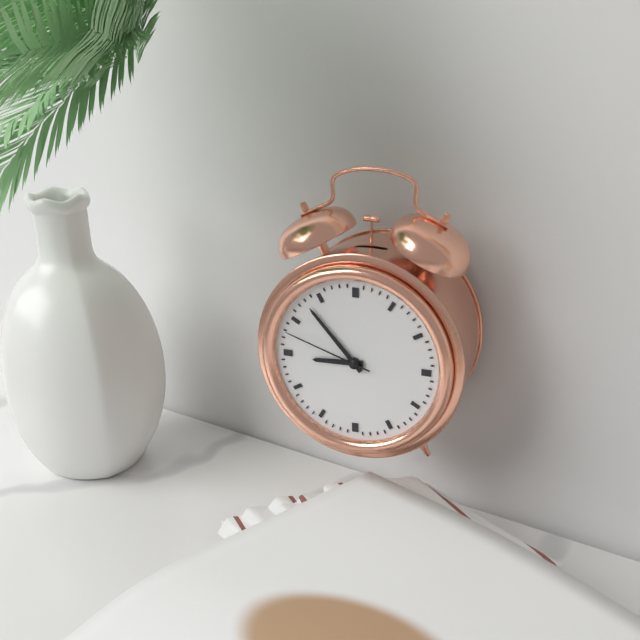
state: 8:53:48
